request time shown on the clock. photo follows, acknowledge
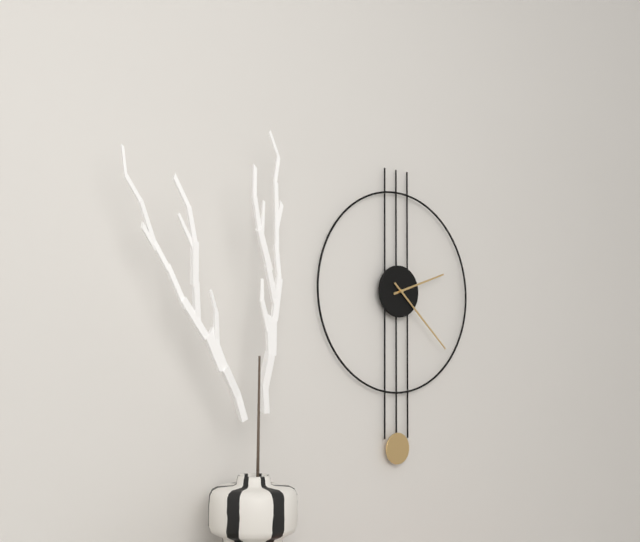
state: 2:22
